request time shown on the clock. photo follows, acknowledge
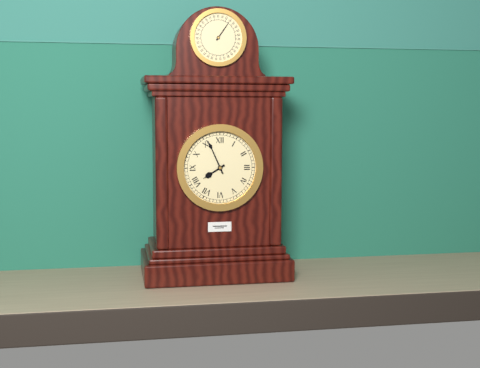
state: 7:56
